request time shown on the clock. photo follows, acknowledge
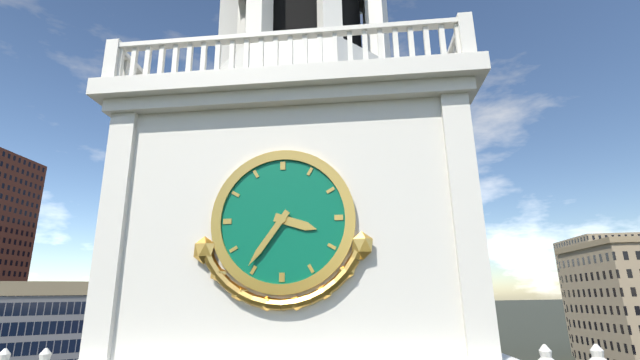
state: 3:36
